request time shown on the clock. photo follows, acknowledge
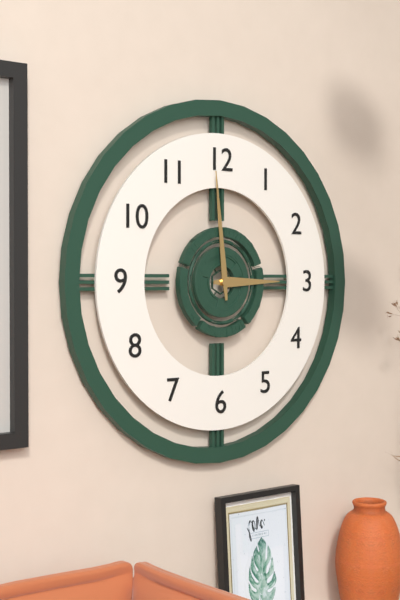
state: 2:59
